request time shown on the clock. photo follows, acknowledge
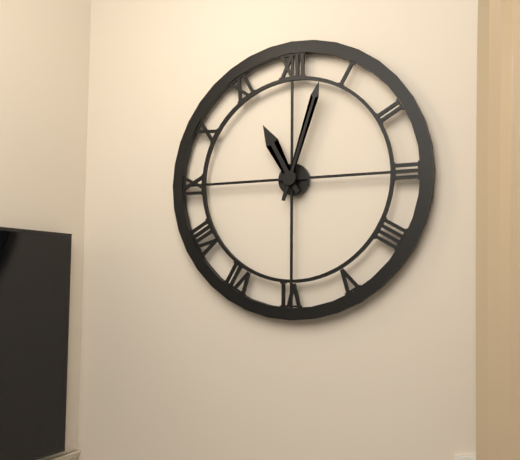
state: 11:03
